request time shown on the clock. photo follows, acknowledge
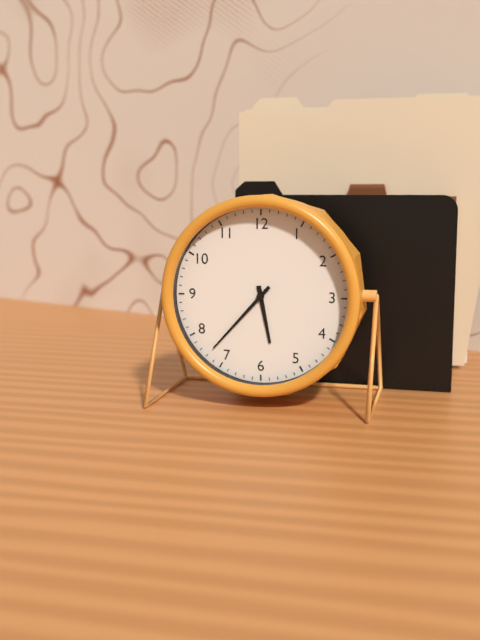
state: 5:37
